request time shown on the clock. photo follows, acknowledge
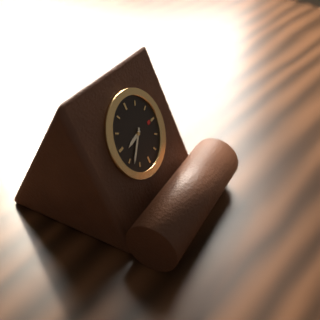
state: 8:38
